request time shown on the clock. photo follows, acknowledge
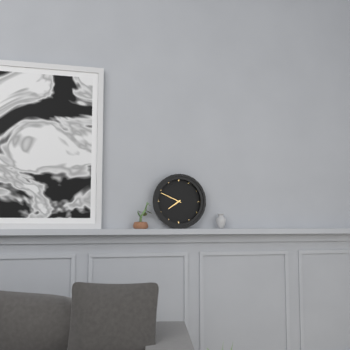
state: 7:49
